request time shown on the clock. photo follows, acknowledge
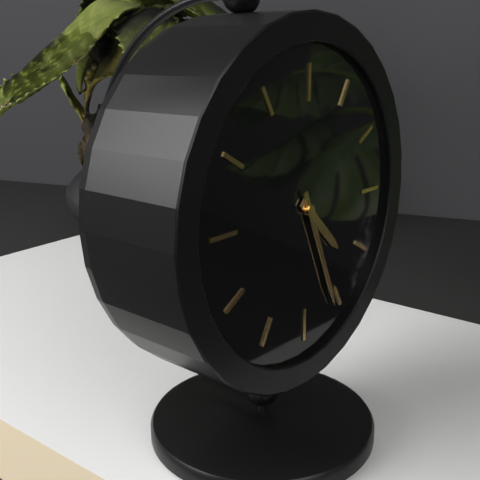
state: 4:26
